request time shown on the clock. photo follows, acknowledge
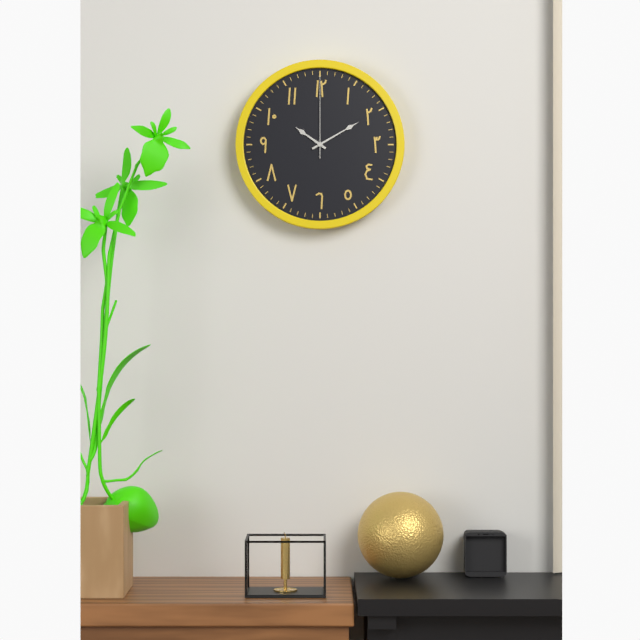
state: 10:10:00
